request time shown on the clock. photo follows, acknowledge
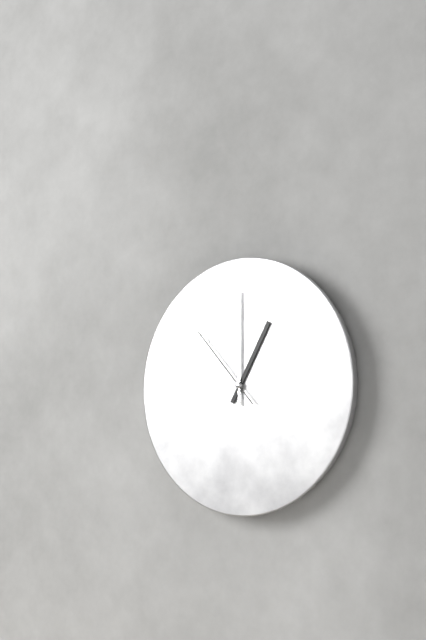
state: 1:00:53
